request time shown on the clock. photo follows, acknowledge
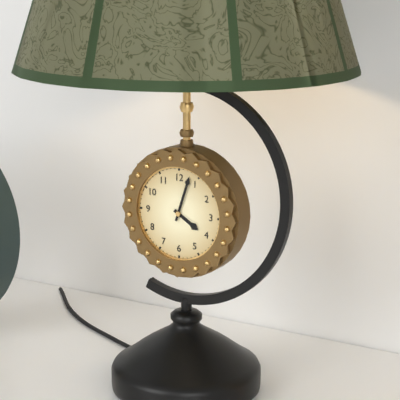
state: 4:03
